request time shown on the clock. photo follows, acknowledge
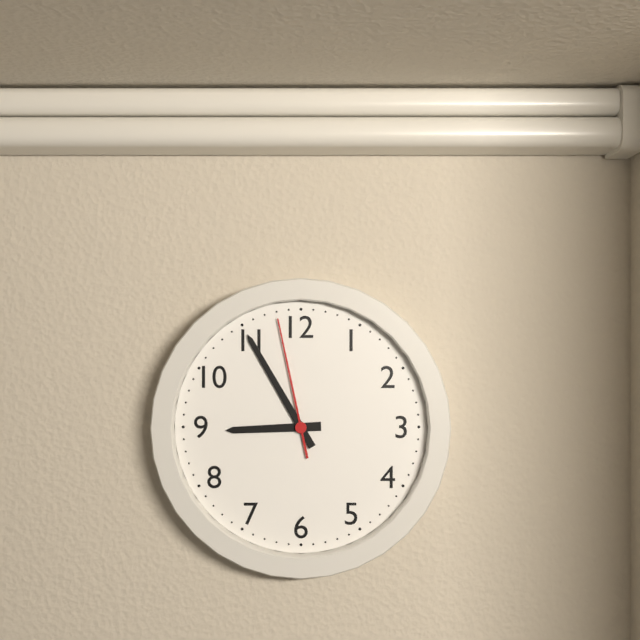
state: 8:55:58
